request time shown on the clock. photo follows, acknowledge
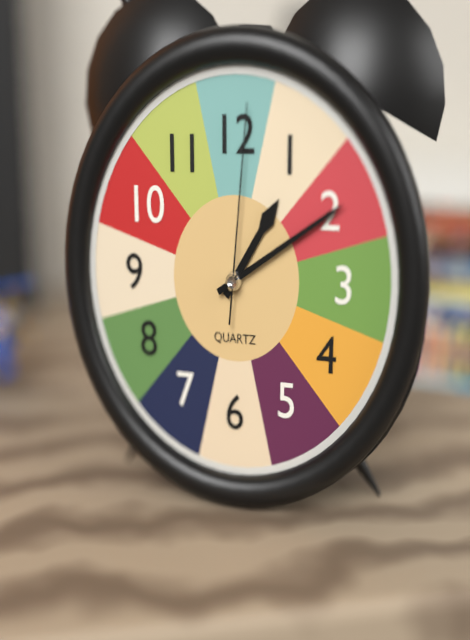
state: 1:10:01
